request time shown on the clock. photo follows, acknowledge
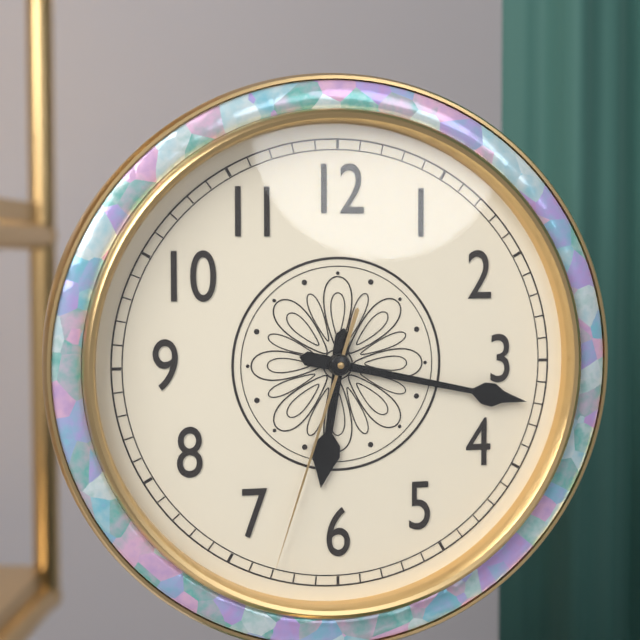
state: 6:17:33
